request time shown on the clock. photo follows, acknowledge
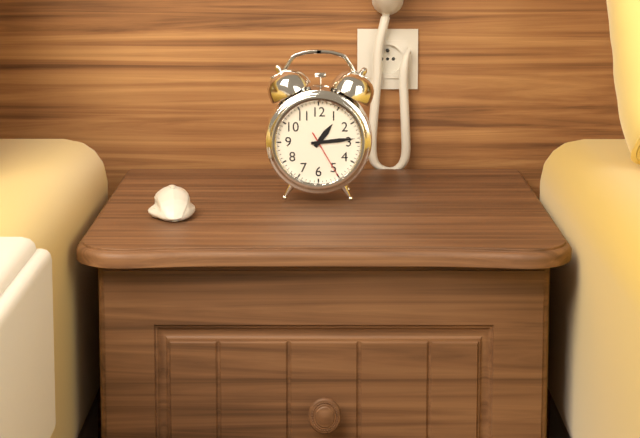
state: 1:14
